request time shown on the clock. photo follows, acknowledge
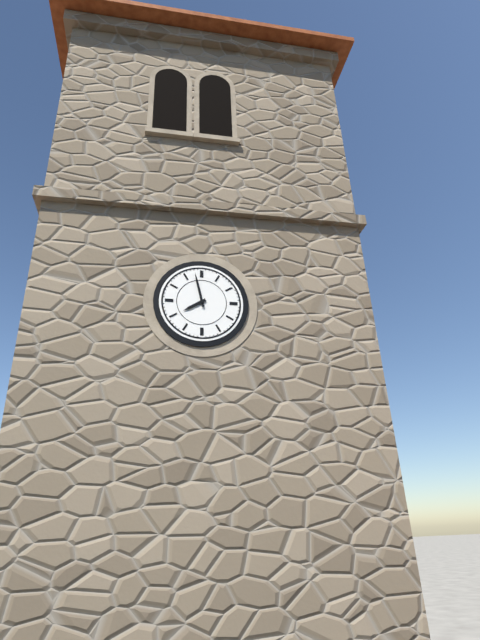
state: 7:58
